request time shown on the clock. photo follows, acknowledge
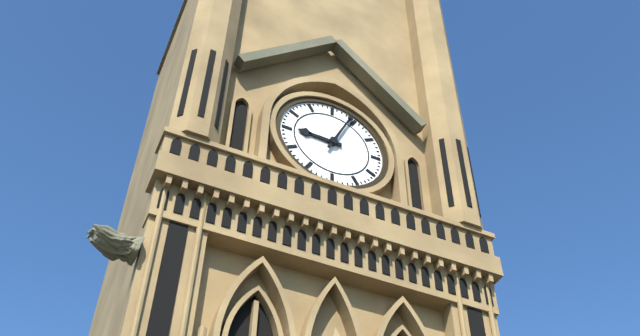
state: 9:04
